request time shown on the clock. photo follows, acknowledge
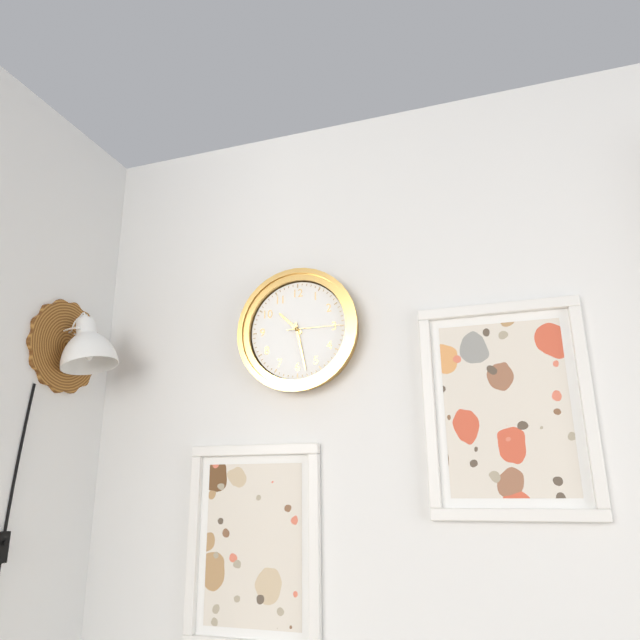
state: 10:28:15
